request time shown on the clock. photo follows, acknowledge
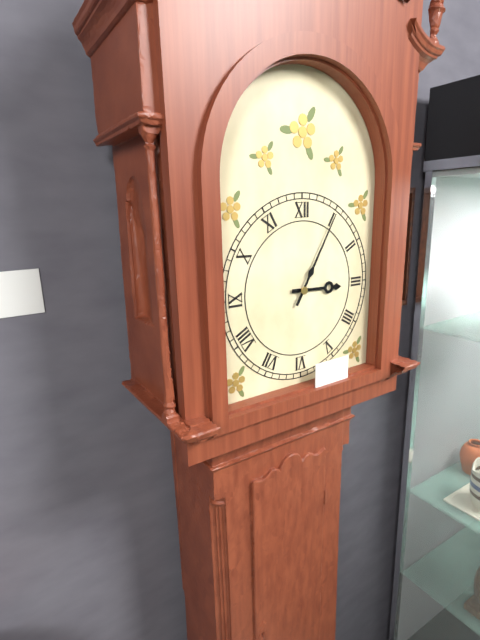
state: 3:05
